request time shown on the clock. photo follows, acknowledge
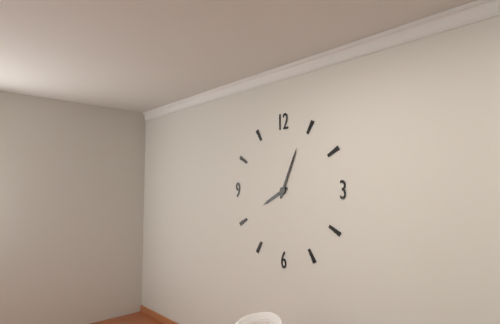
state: 8:04
